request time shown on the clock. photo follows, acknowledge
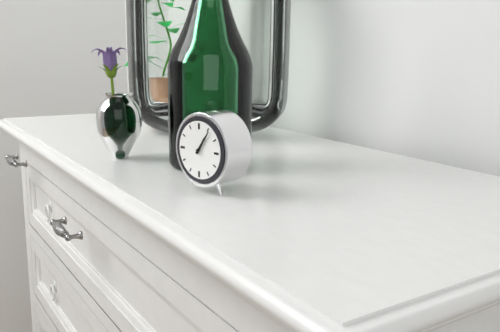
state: 1:06
